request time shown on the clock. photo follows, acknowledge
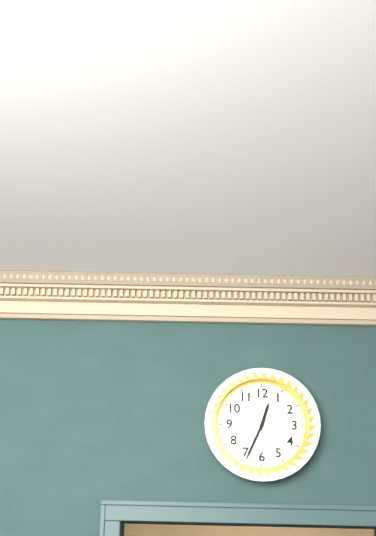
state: 12:34
